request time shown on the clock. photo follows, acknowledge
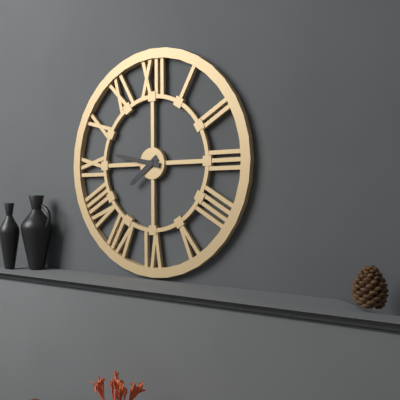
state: 7:47
